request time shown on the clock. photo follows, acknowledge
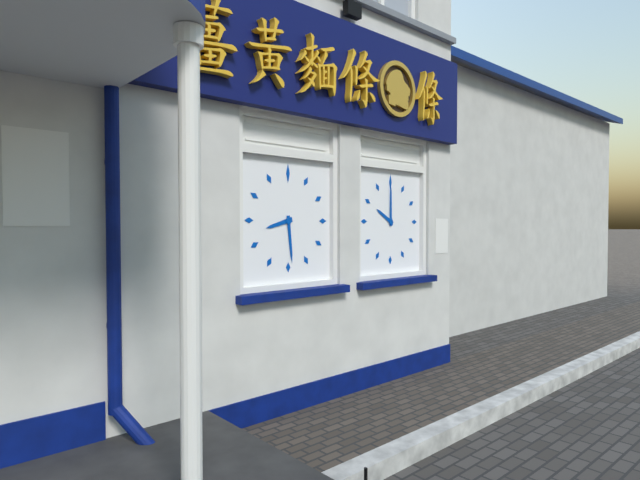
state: 8:29
